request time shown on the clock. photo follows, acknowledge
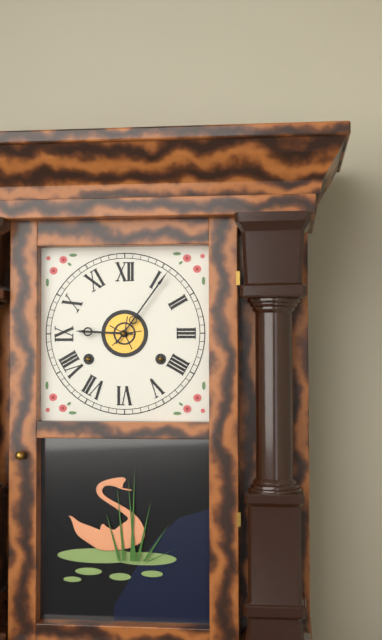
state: 9:06
